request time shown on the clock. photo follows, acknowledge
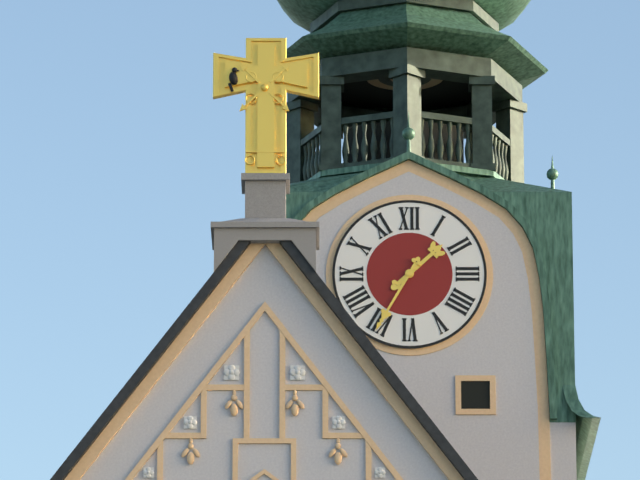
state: 1:35
